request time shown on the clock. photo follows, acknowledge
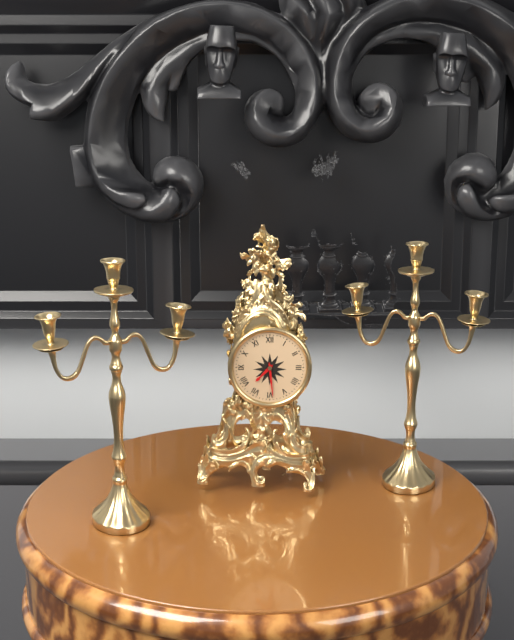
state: 7:29
